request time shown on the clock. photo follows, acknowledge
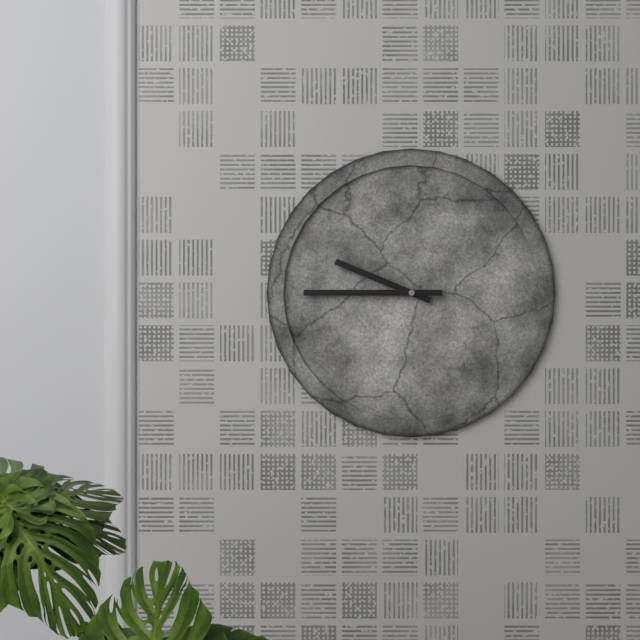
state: 9:45
